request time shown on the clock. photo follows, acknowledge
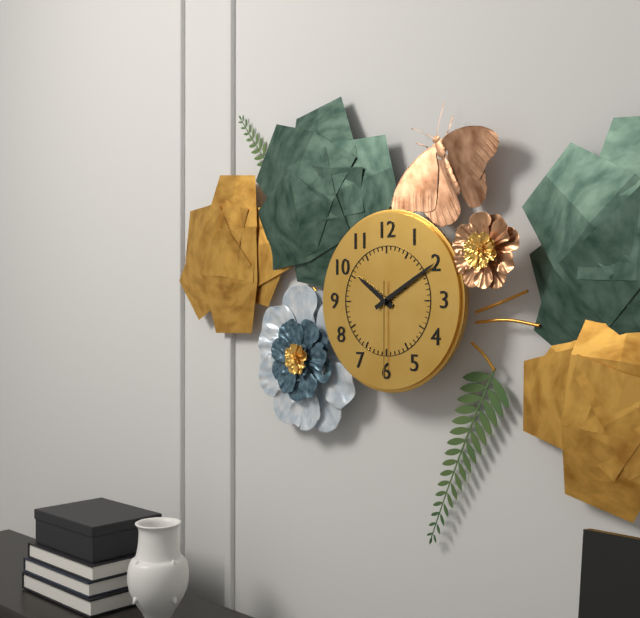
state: 10:10:30
